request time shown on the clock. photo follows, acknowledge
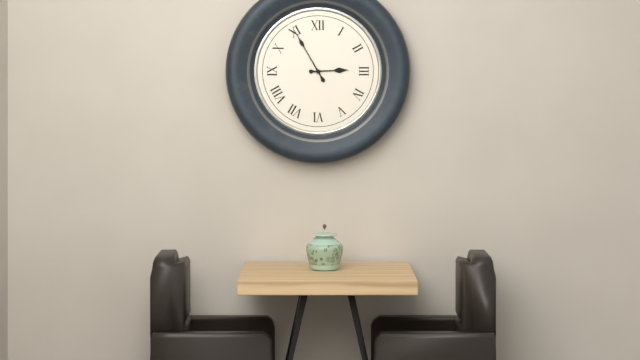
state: 2:55
